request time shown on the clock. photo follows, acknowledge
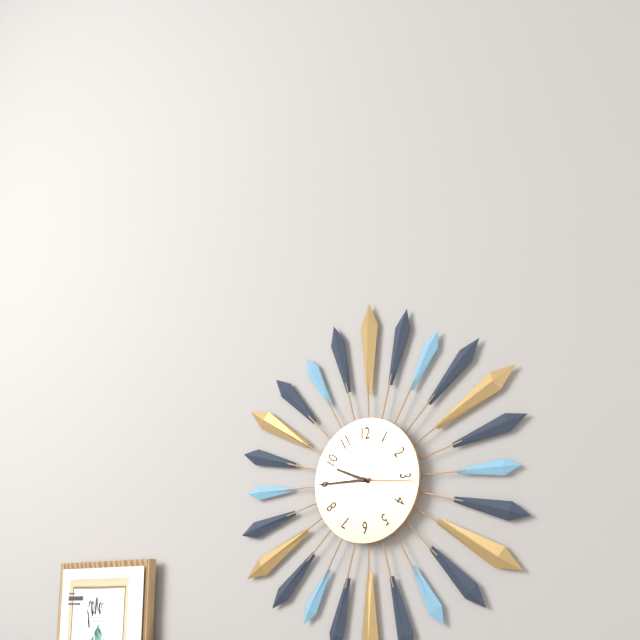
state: 9:45:16
